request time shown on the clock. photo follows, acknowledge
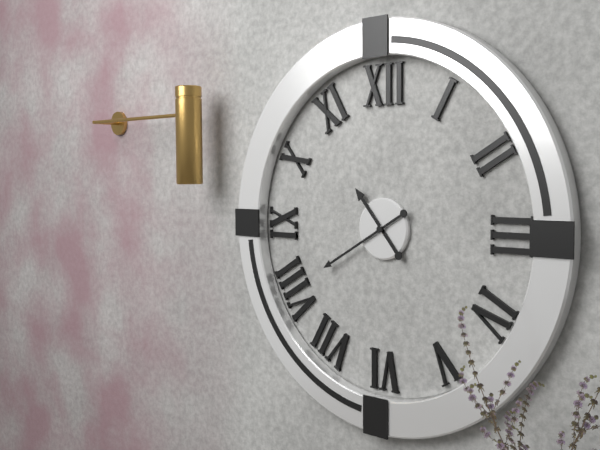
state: 10:40
